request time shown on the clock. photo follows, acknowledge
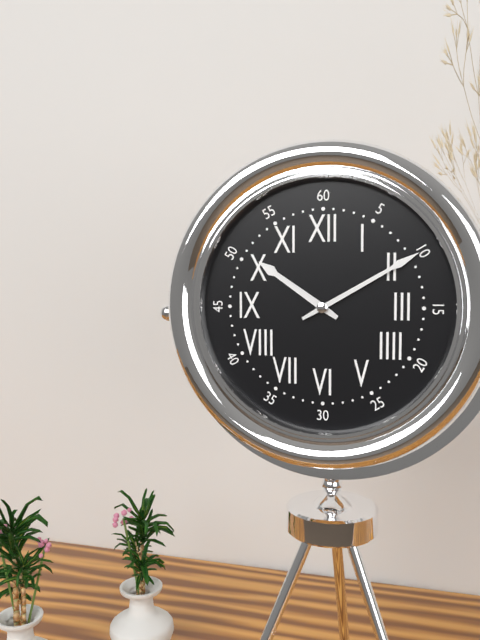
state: 10:10
